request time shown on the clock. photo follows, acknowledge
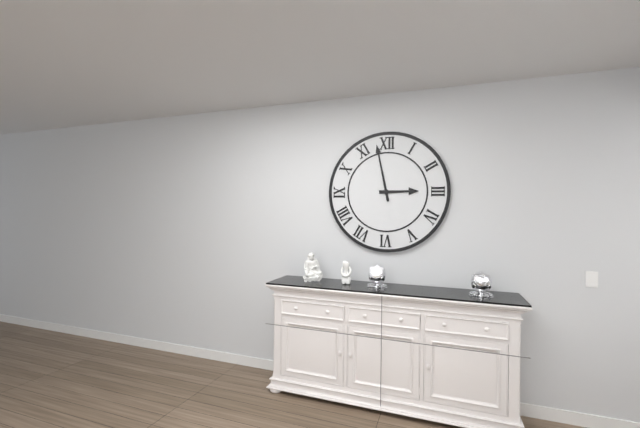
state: 2:58
